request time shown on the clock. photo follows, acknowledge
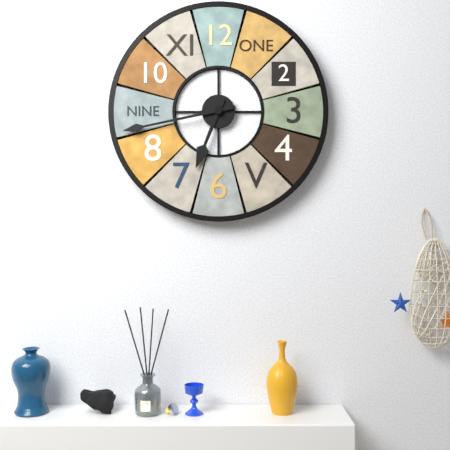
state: 6:43
